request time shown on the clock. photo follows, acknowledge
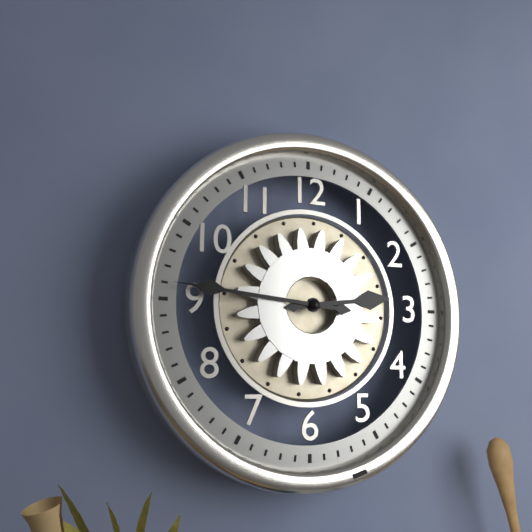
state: 2:46
